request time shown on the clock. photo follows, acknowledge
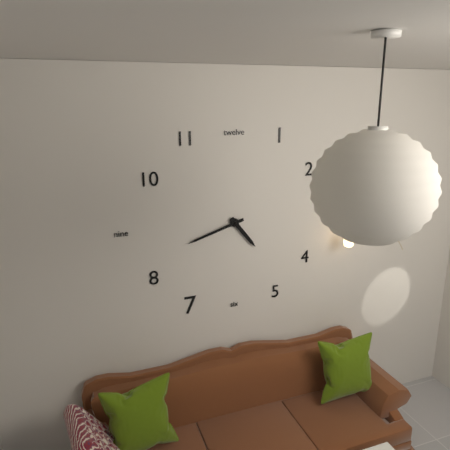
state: 4:42
